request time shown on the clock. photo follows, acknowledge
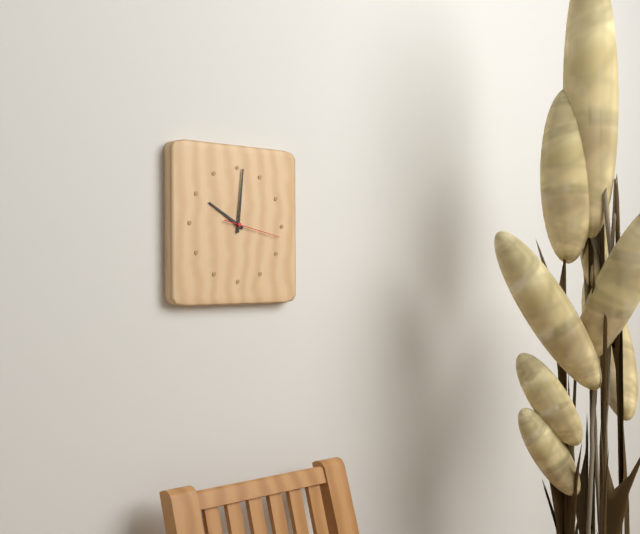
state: 10:01:17
